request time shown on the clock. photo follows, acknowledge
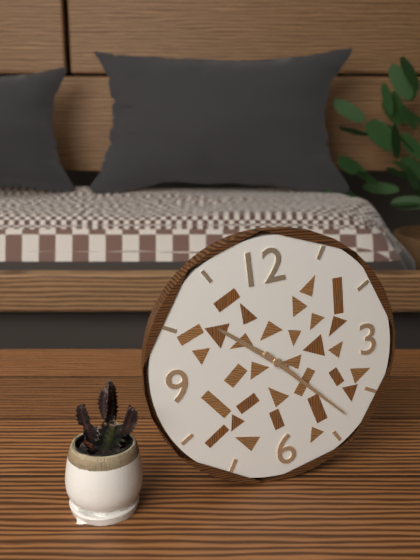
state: 10:23
